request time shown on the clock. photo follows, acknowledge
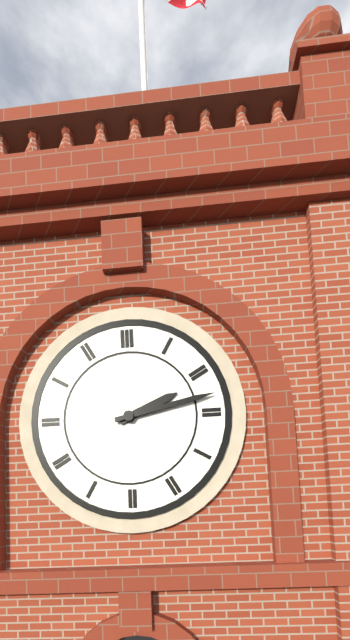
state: 2:13
